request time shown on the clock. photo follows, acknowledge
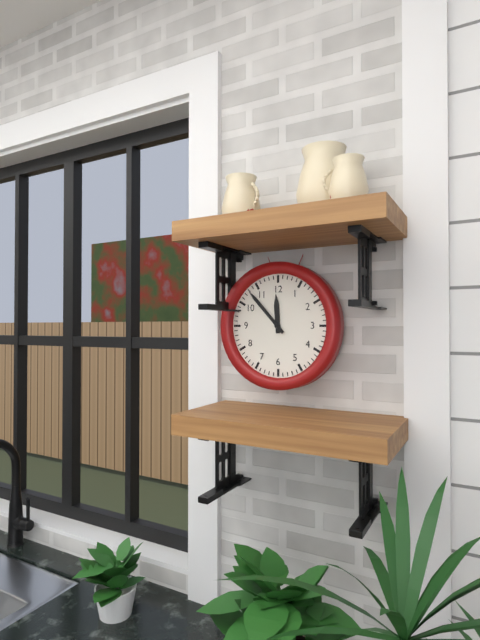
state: 11:53
